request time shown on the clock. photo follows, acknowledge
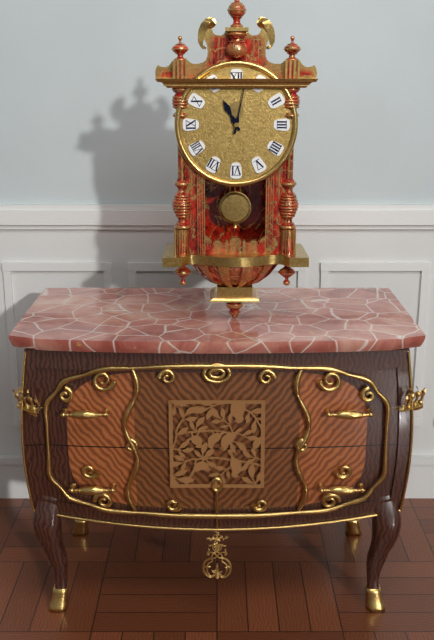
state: 11:02
